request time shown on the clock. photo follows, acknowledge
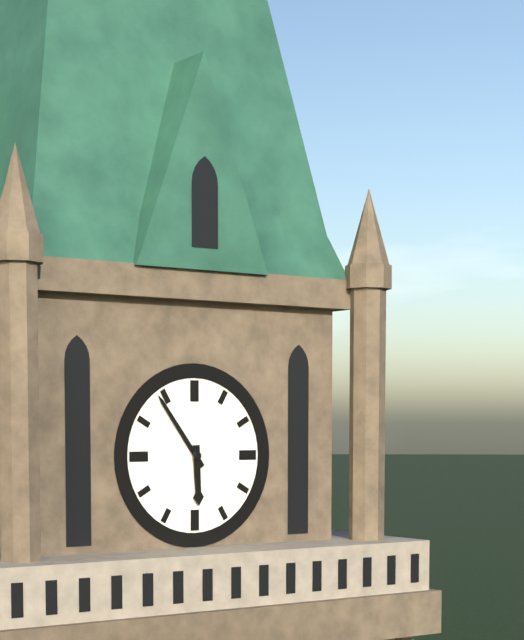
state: 5:54
